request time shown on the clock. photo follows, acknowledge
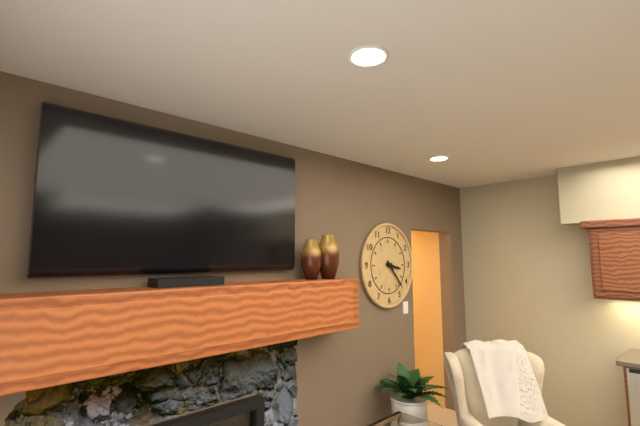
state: 3:23
